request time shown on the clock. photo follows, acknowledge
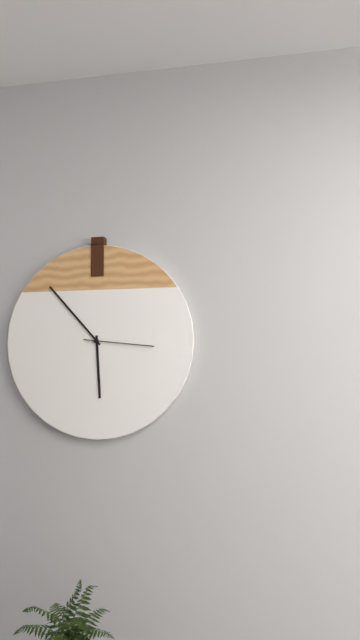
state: 5:53:16
